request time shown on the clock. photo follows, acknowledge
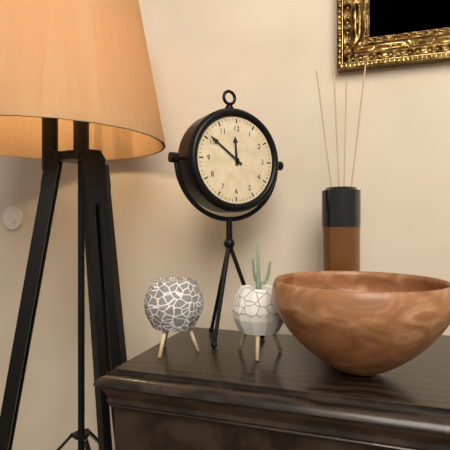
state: 11:51
